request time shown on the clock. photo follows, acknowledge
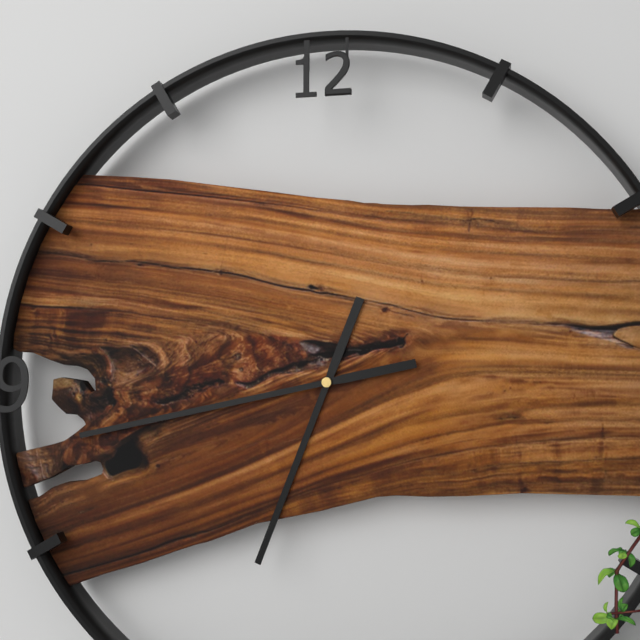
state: 6:43
